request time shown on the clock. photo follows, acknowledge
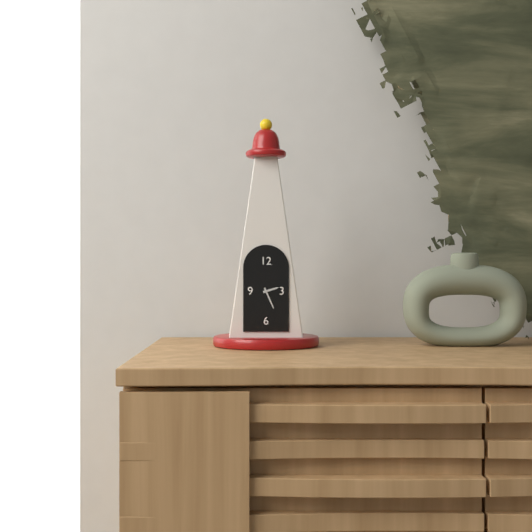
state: 2:26
